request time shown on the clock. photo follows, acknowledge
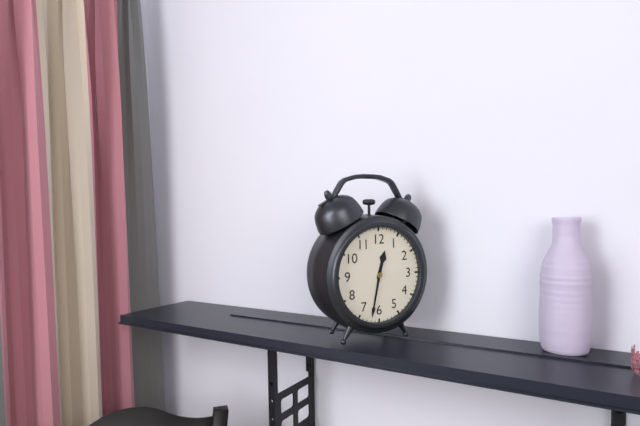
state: 12:32
